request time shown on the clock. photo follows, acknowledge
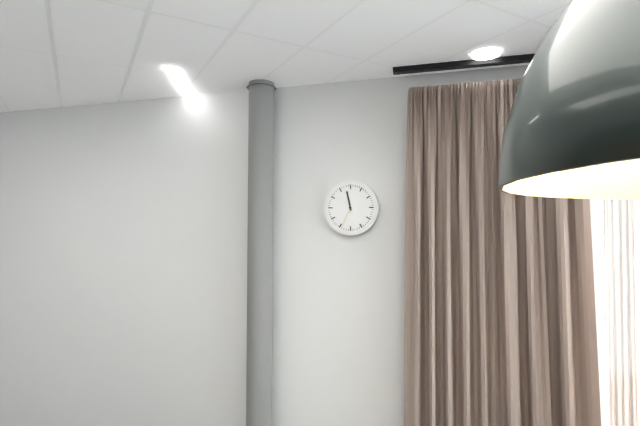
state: 11:34
